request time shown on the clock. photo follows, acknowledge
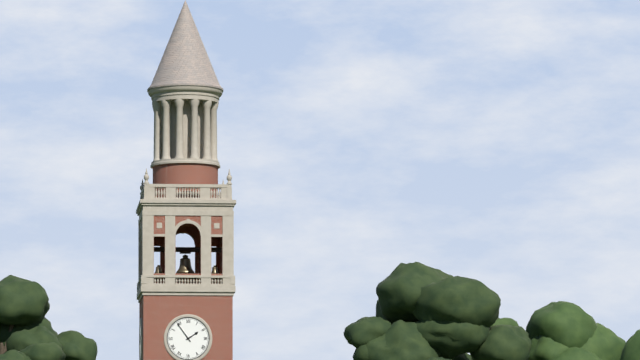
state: 1:54
